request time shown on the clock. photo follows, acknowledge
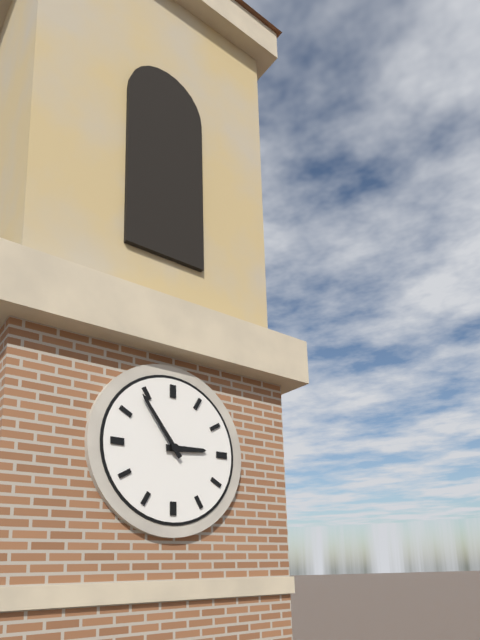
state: 2:54
